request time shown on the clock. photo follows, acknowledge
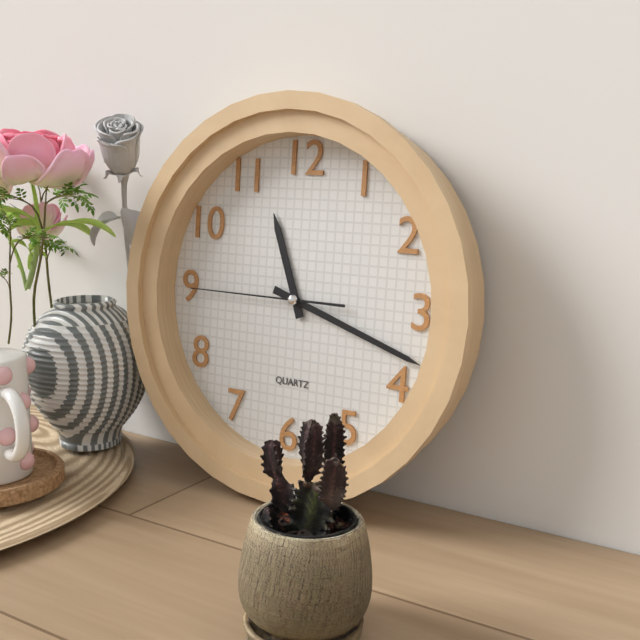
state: 11:18:45
